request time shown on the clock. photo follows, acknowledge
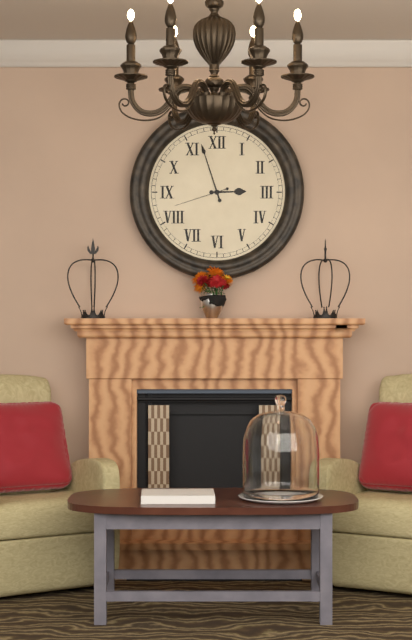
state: 2:57:42
